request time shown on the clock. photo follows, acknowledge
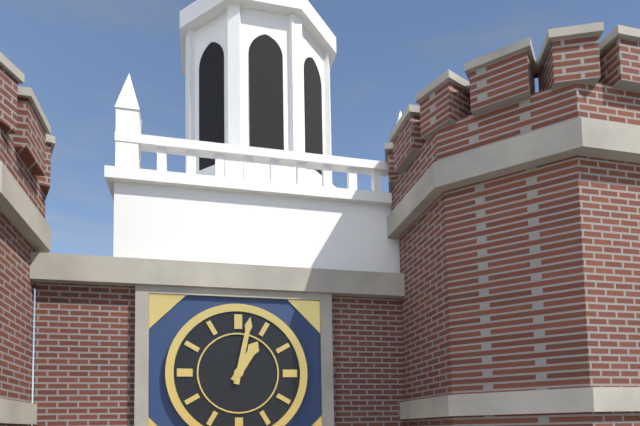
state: 1:02
